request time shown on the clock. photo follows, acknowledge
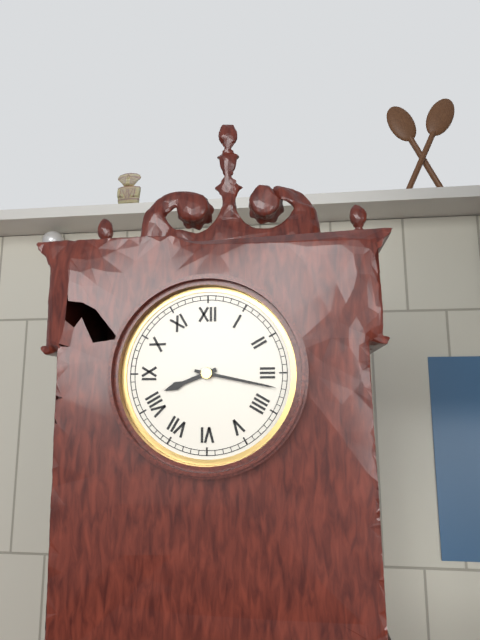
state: 8:17
